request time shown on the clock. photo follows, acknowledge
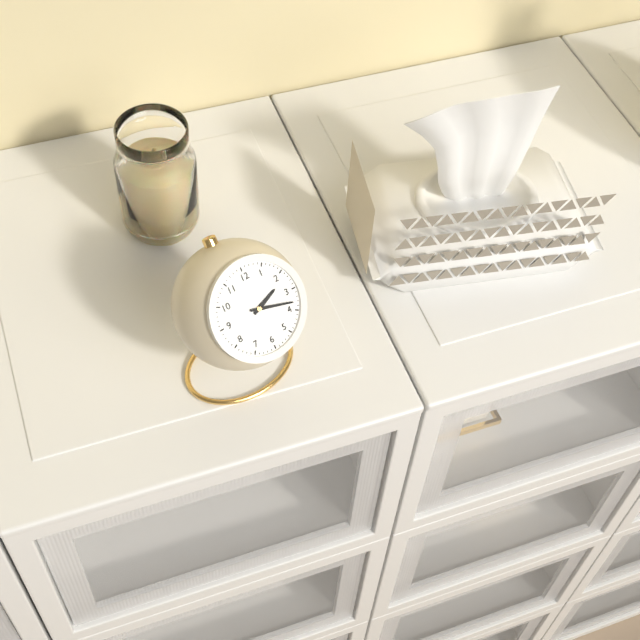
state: 2:18
